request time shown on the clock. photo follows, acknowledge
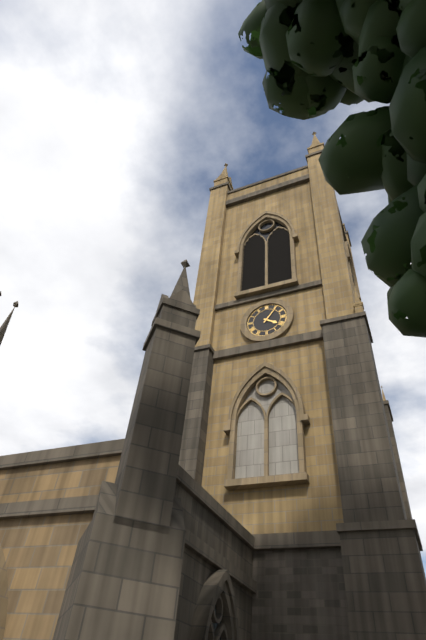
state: 4:06
